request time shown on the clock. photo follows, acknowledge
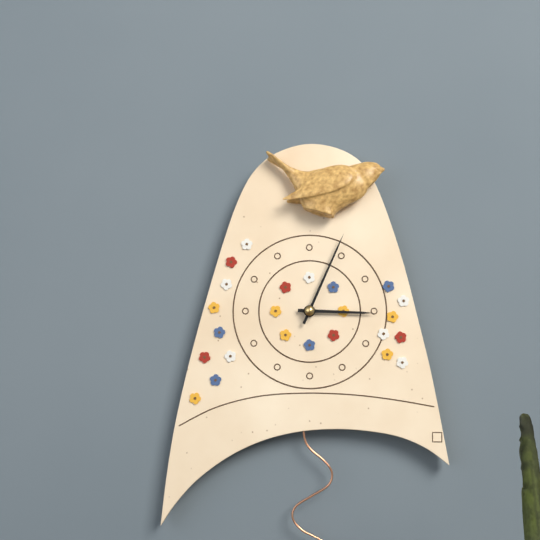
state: 3:04
